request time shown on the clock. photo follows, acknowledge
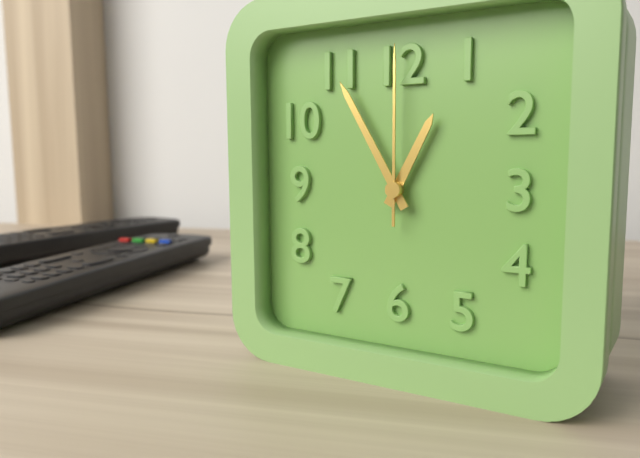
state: 12:55:00
